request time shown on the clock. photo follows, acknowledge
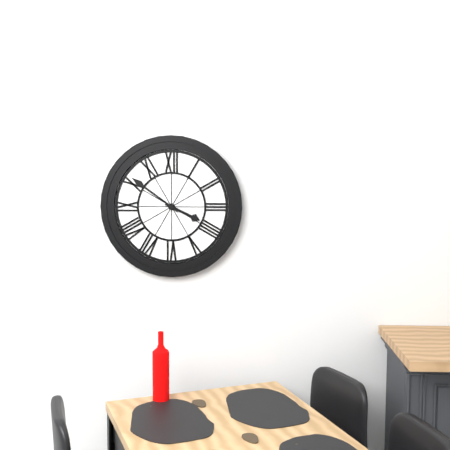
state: 3:51
